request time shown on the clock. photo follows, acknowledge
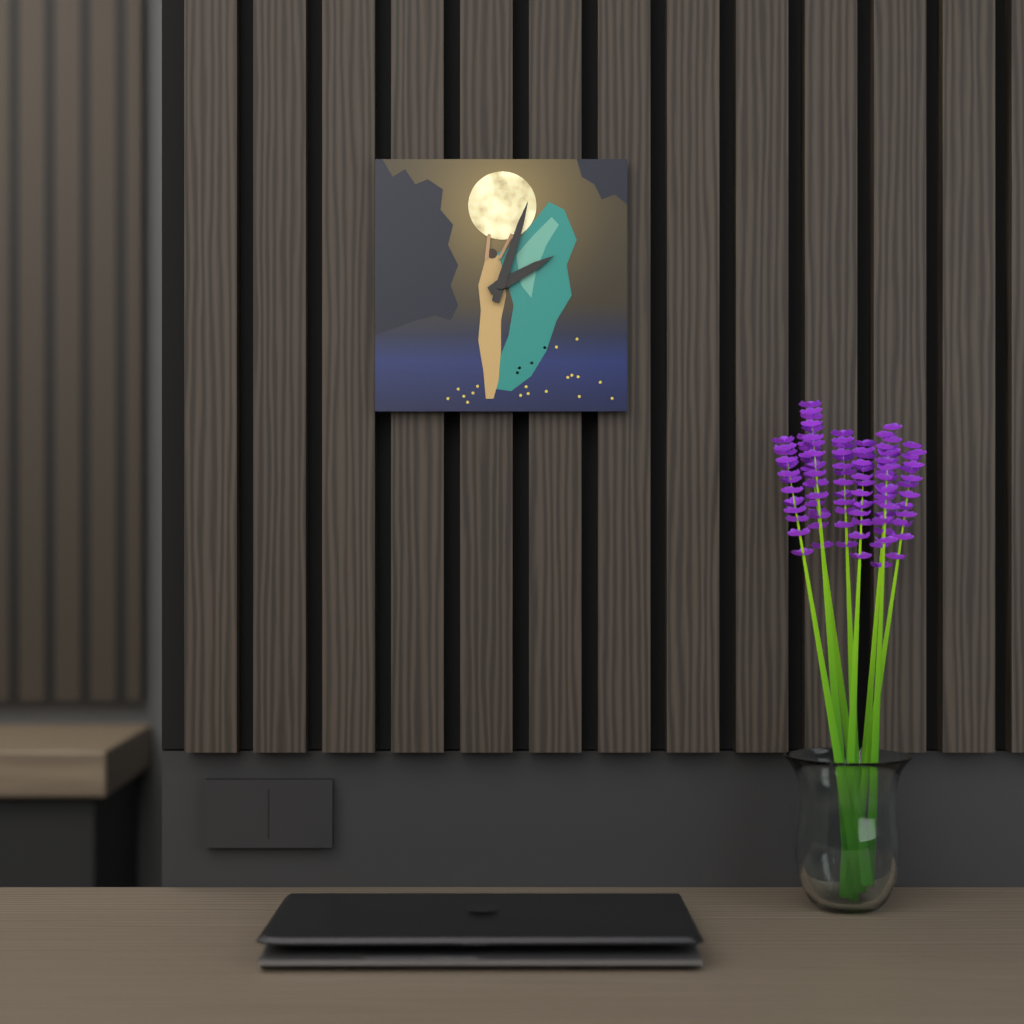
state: 2:03
